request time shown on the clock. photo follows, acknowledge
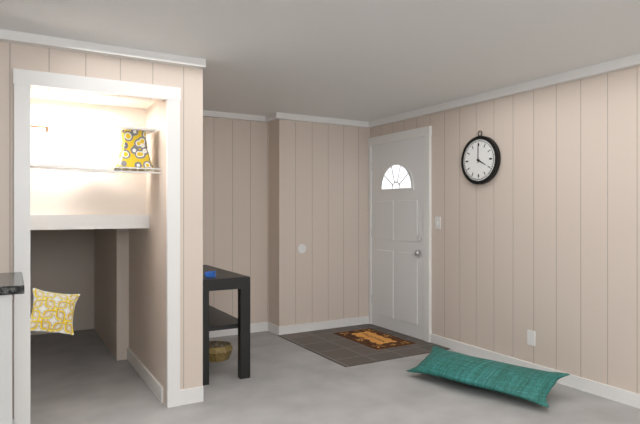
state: 4:00
